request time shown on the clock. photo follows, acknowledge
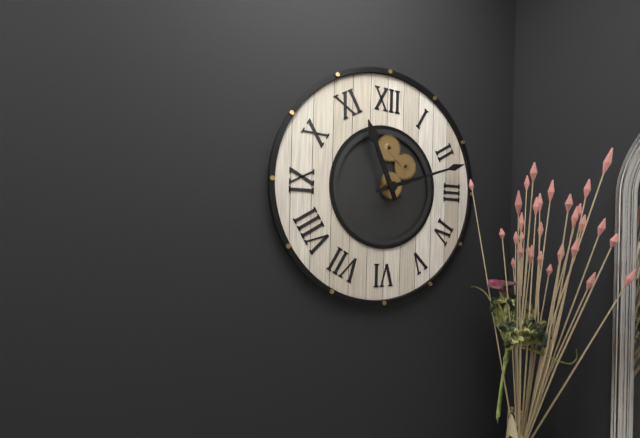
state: 11:12
